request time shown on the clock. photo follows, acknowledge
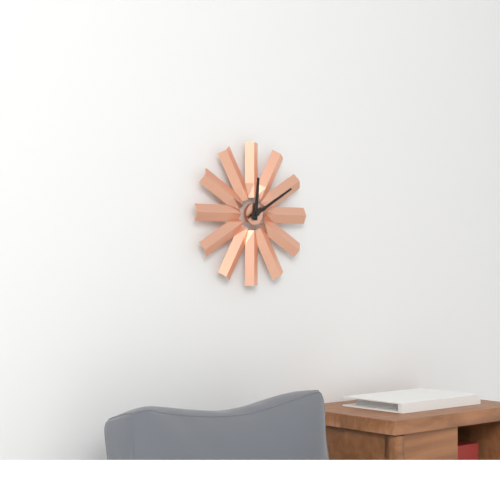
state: 12:10
